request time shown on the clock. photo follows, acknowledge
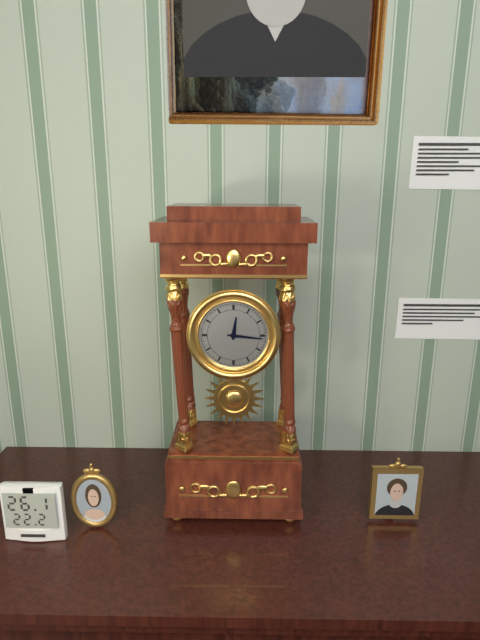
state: 12:16
